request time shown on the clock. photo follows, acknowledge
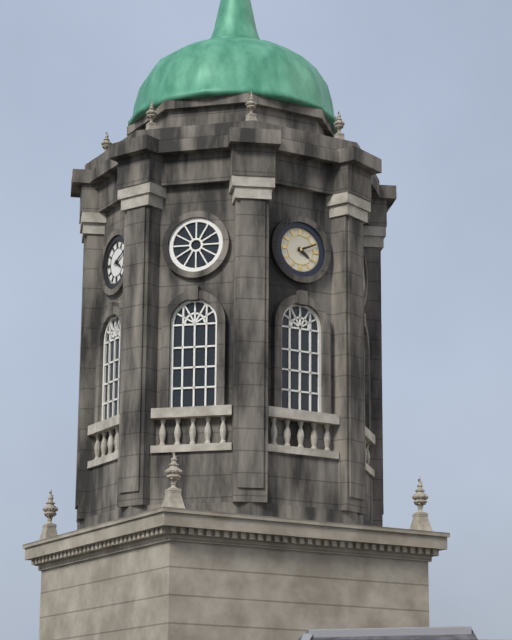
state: 4:11
